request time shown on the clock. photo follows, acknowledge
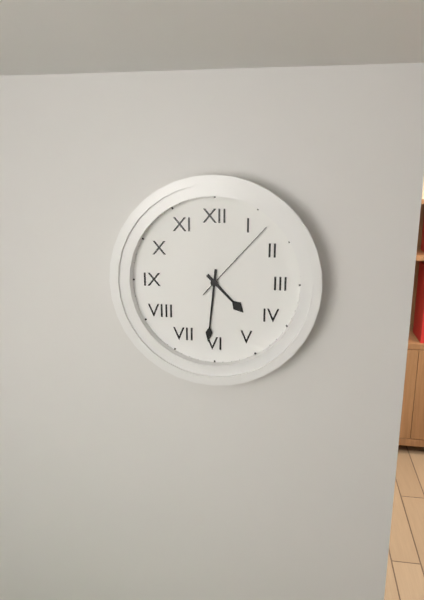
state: 4:31:07
